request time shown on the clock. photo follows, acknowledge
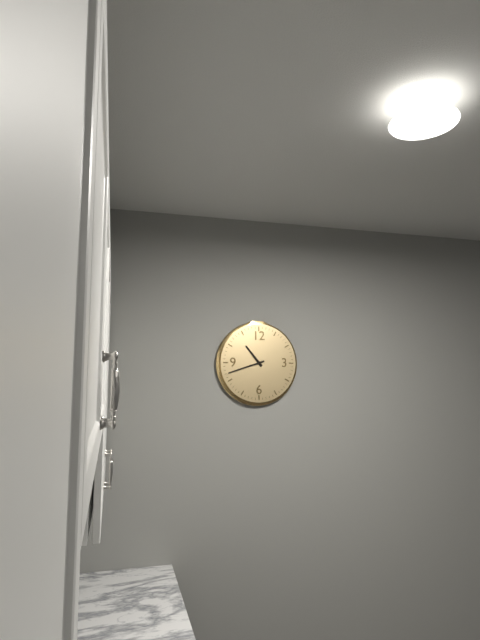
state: 10:42
